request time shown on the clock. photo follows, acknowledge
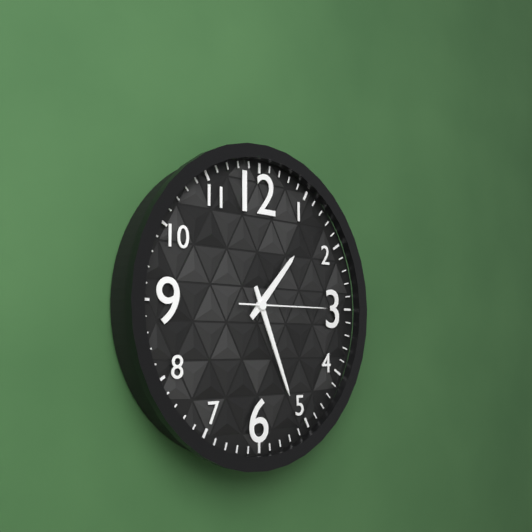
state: 1:26:15
